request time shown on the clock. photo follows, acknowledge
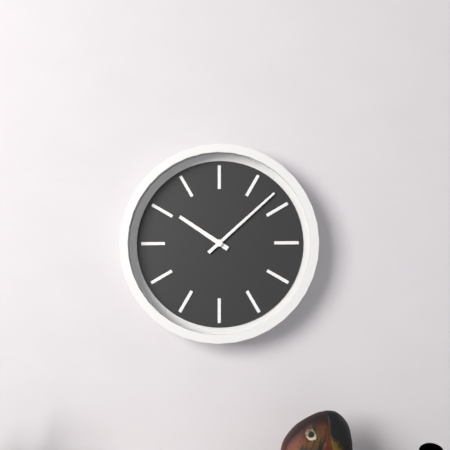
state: 10:08
